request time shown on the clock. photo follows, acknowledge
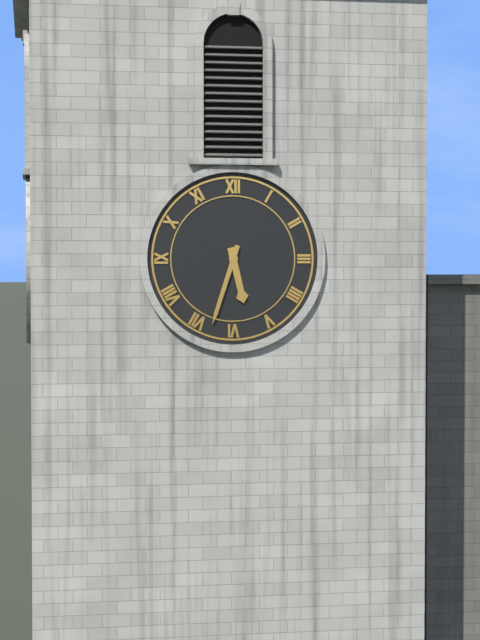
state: 5:33
